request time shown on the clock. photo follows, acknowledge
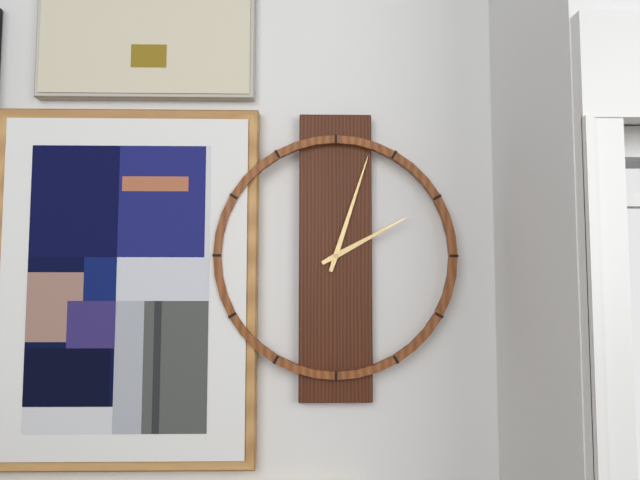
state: 2:03
